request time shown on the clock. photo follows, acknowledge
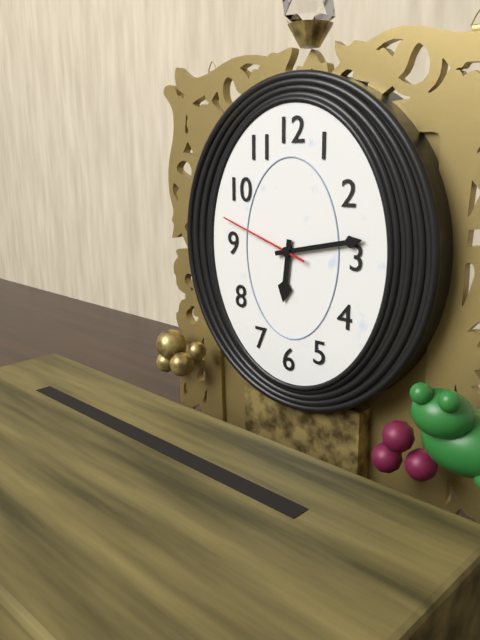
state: 6:13:48
